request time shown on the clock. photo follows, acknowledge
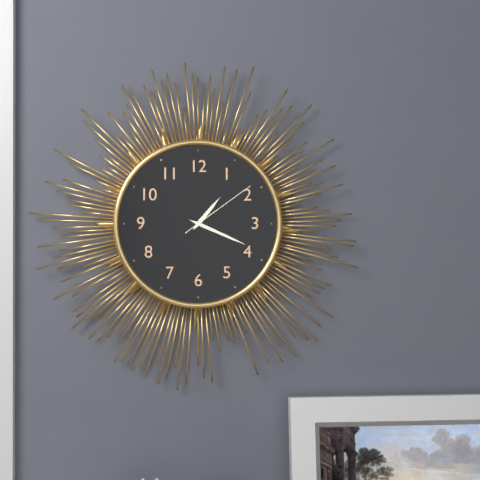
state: 1:19:09
